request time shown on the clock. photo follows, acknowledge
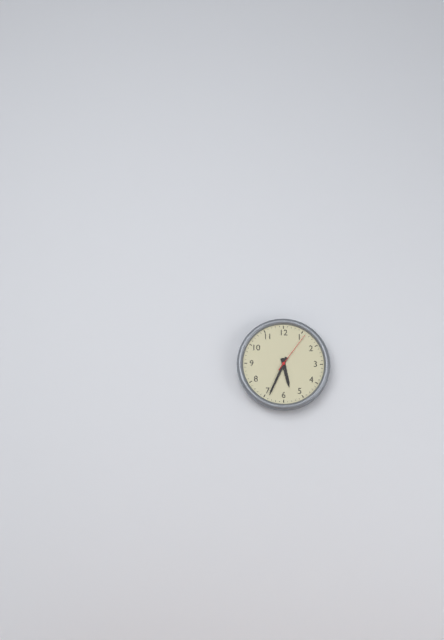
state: 5:34
